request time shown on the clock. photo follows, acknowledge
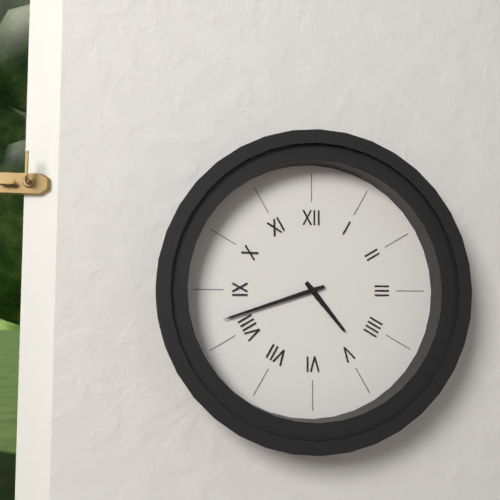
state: 4:42
